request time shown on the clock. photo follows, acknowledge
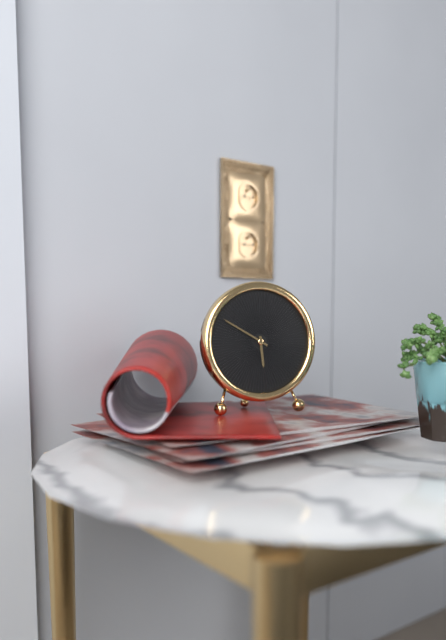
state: 5:50
